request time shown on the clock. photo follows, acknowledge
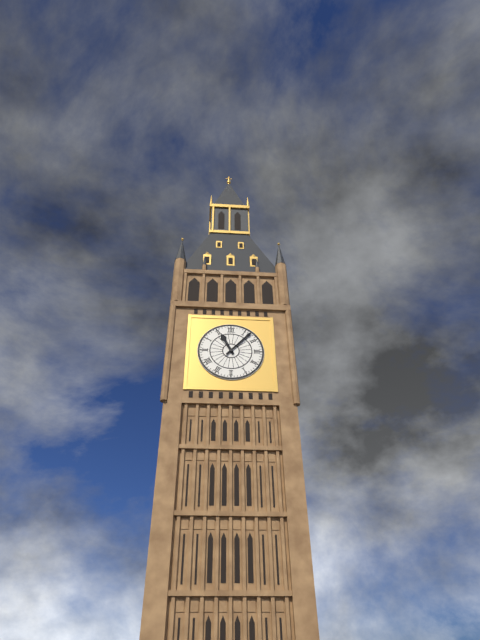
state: 11:07
